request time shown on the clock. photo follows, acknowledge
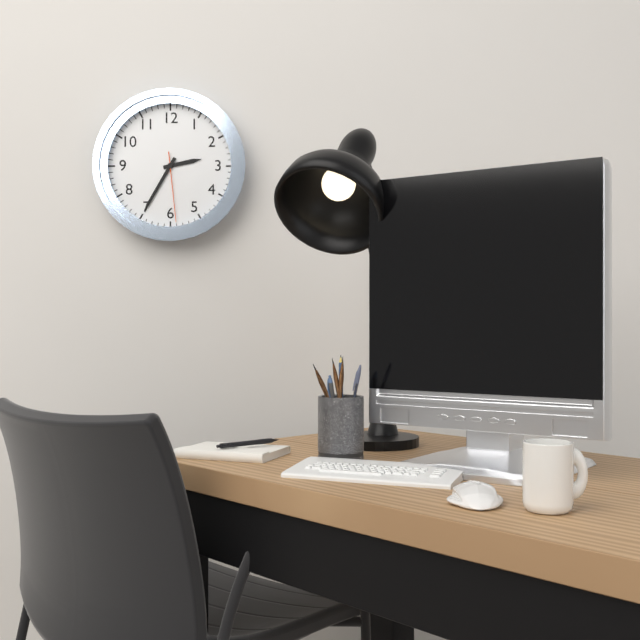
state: 2:35:29
